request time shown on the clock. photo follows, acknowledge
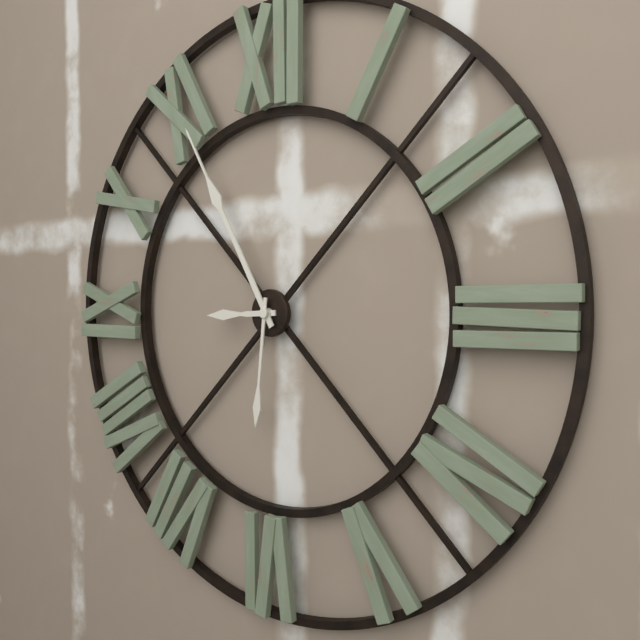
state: 8:55:31
